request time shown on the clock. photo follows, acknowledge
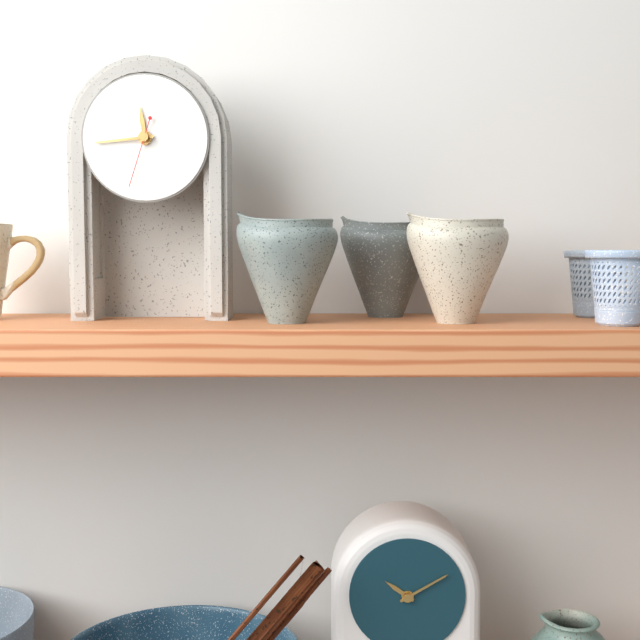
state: 11:44:33
